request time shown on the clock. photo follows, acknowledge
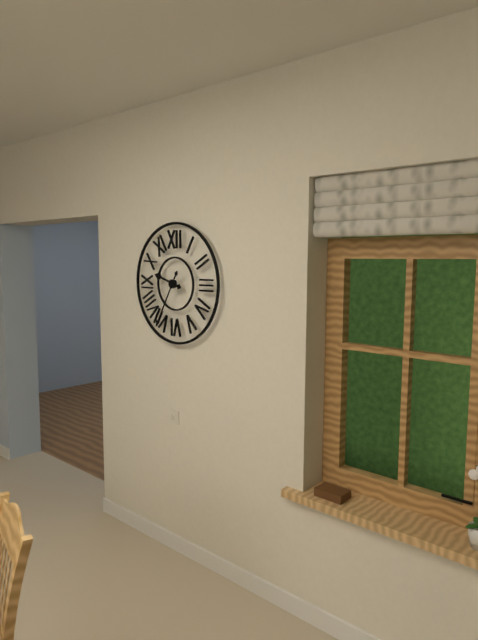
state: 9:35
